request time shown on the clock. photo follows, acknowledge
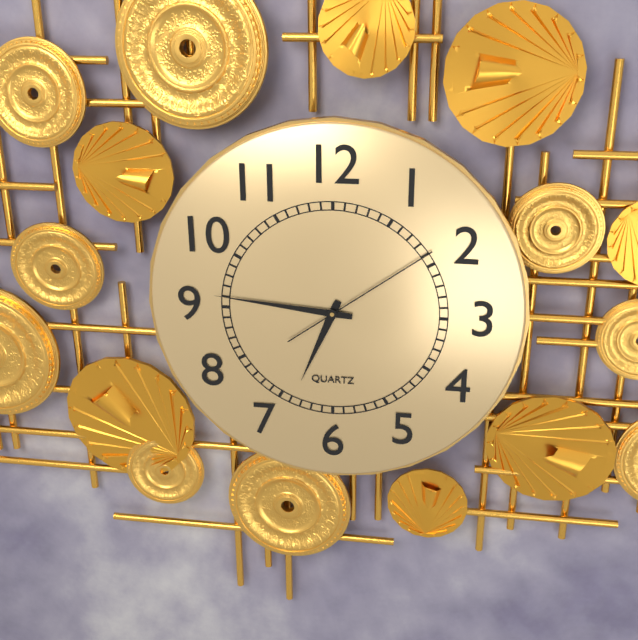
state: 6:46:09
